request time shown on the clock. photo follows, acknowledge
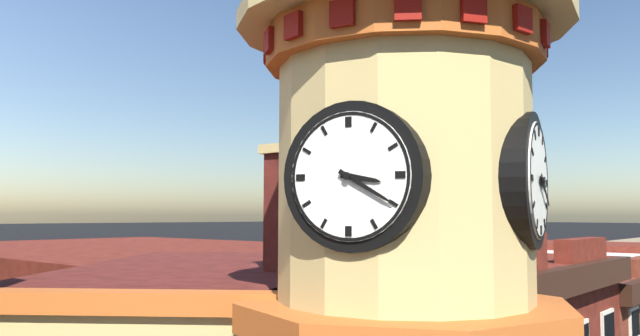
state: 3:20
